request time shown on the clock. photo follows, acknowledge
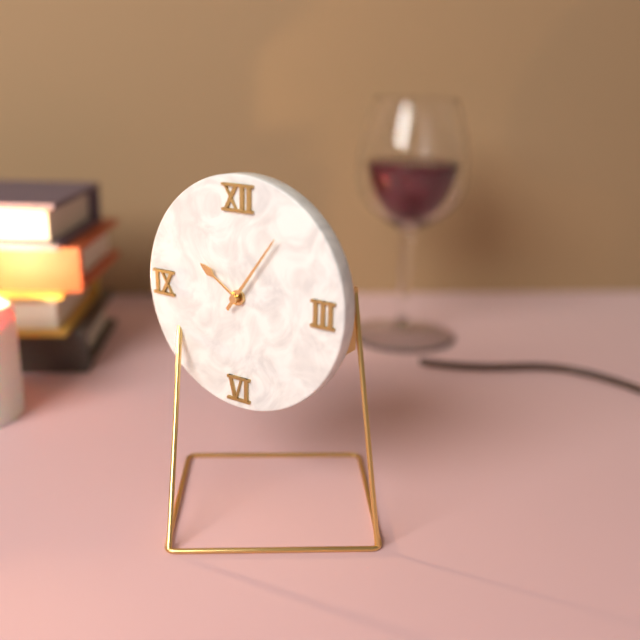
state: 10:06
